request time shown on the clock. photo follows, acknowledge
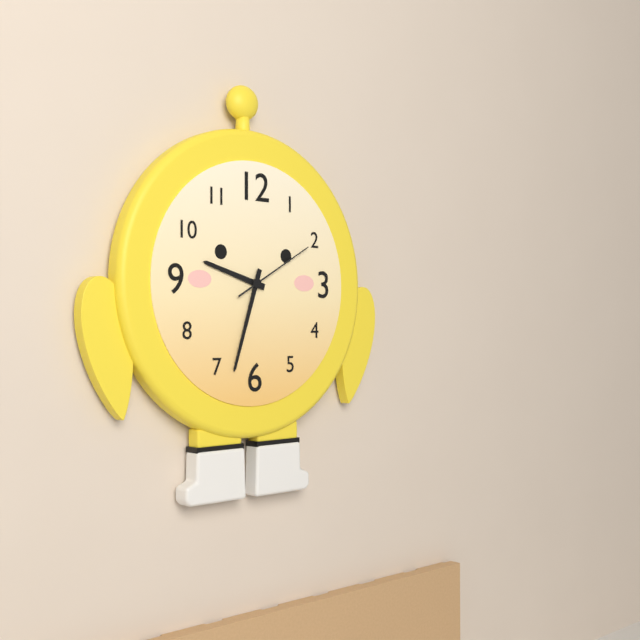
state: 9:33:10
